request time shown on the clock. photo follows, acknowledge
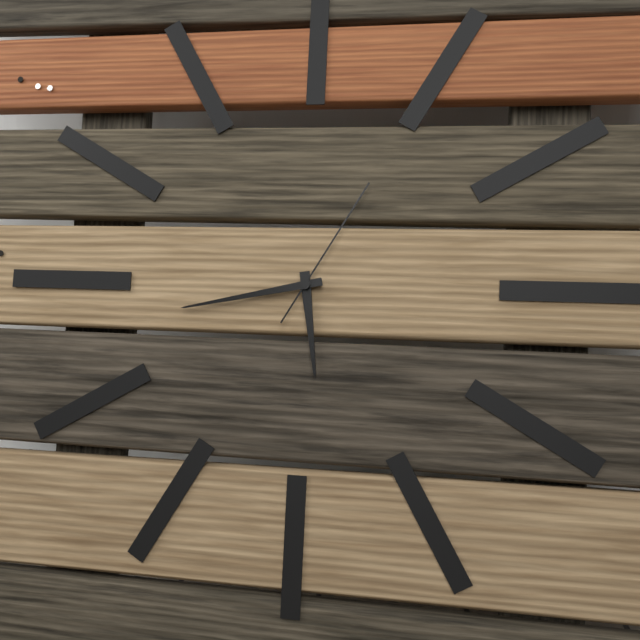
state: 5:43:05
